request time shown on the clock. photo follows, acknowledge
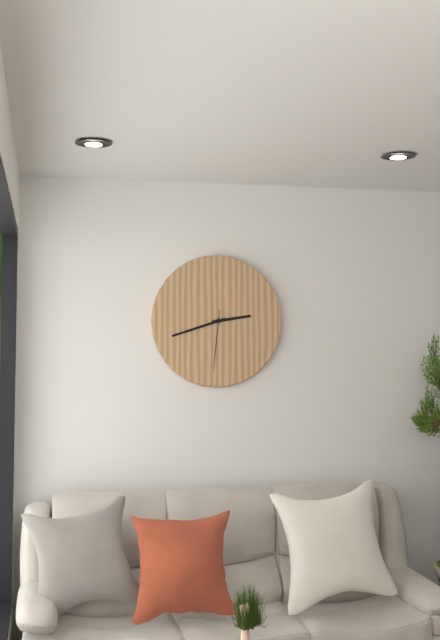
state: 2:42:31
